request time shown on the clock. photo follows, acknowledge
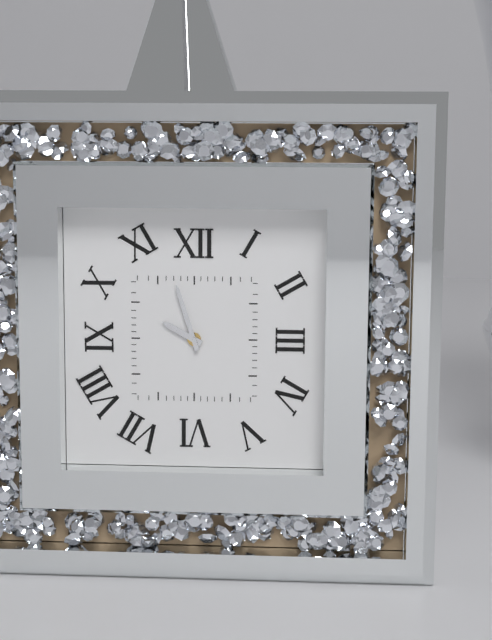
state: 9:57
